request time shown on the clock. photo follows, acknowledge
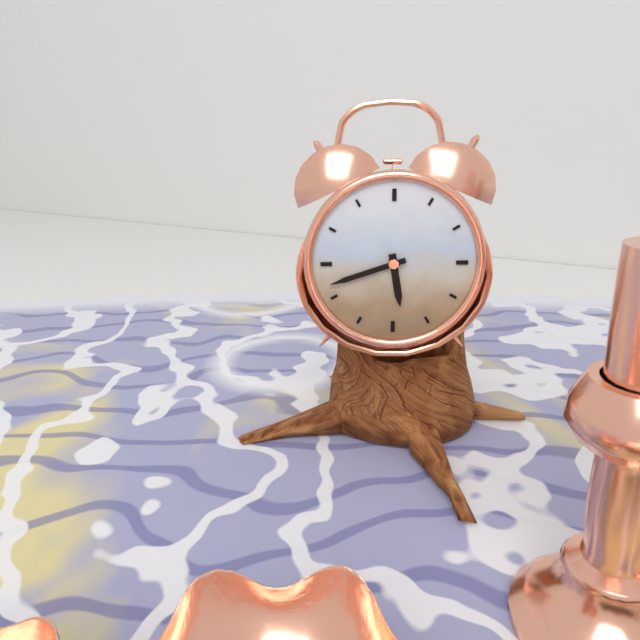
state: 5:42
